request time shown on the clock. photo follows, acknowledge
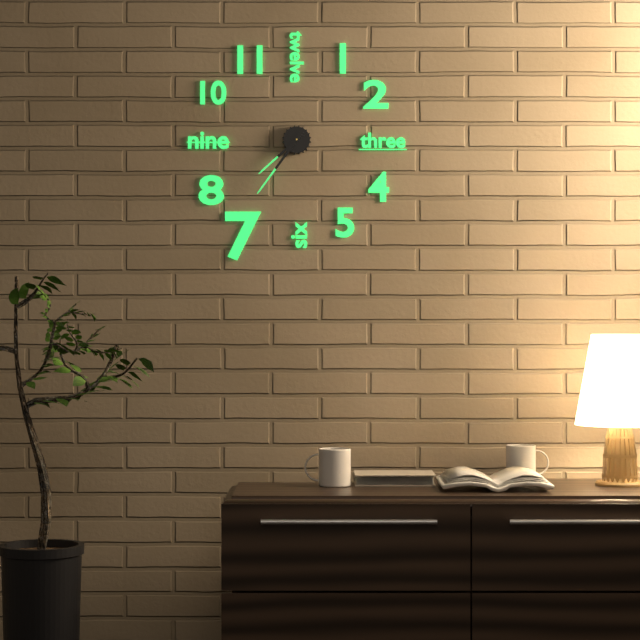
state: 7:36
